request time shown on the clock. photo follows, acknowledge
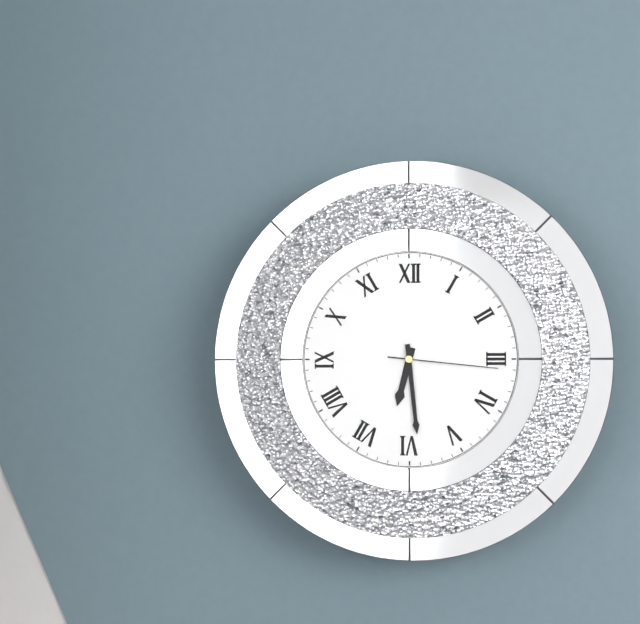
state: 6:29:16
